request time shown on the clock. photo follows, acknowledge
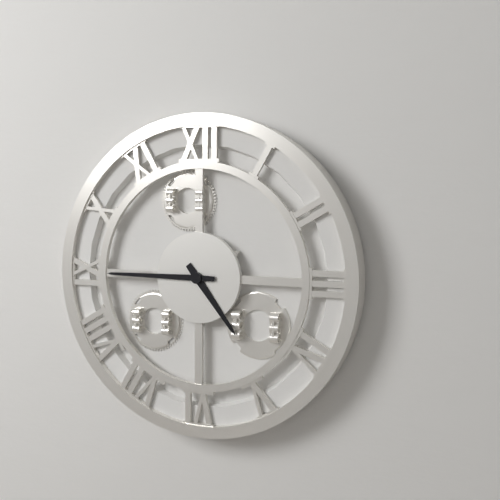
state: 4:45
